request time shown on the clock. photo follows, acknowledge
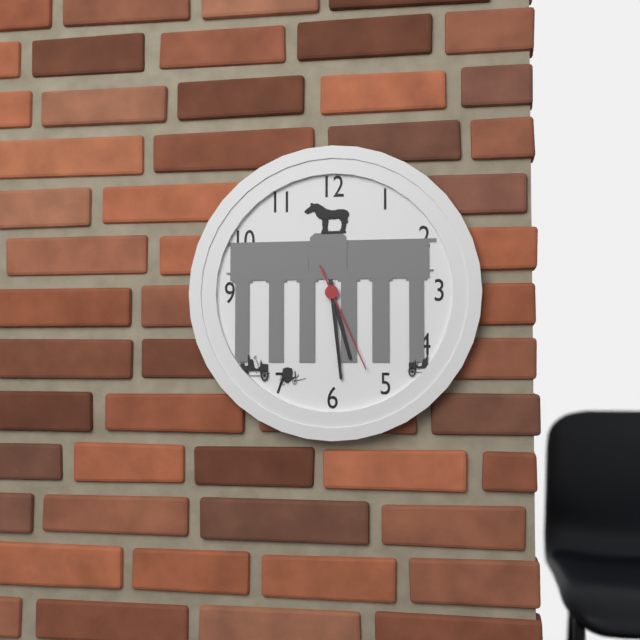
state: 5:29:26
